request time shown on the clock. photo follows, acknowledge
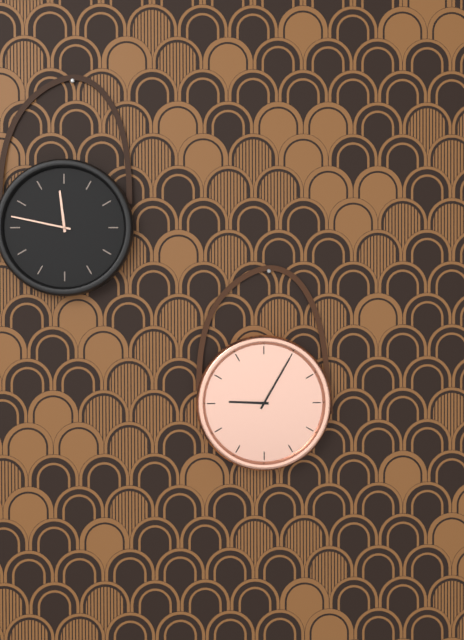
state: 9:05
